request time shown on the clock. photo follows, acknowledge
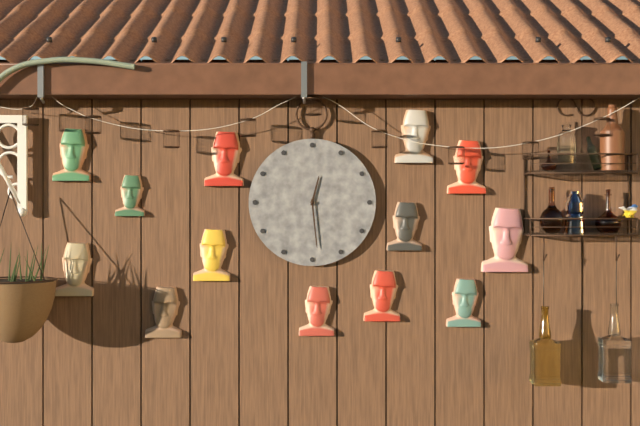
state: 12:29
